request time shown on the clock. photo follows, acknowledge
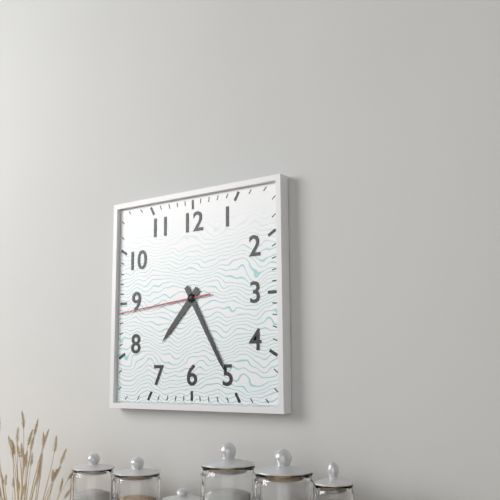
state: 7:25:44
